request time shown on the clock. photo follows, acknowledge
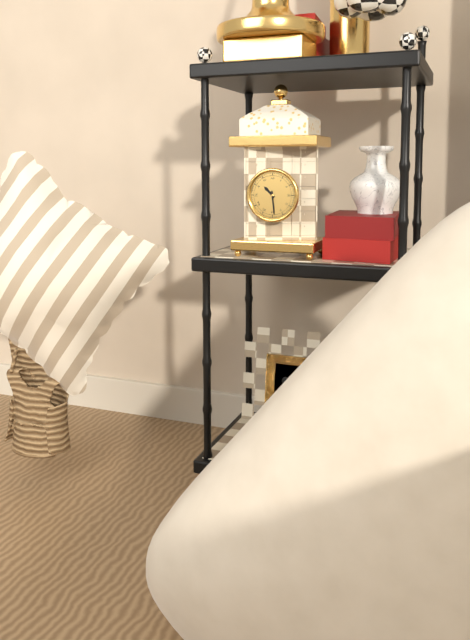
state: 10:29
